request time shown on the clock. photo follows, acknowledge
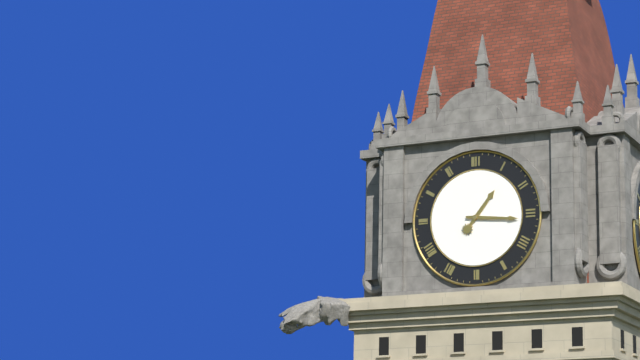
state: 1:16
